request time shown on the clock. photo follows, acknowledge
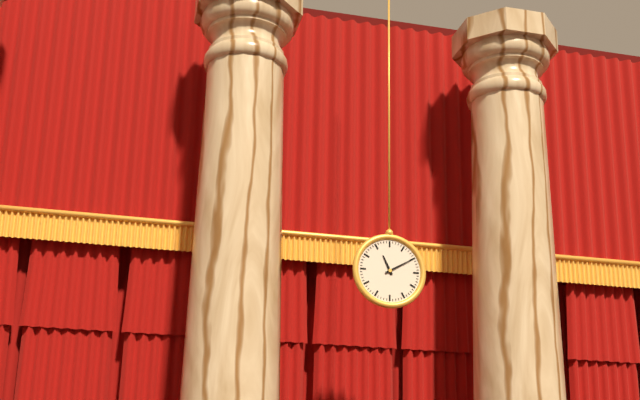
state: 11:10
